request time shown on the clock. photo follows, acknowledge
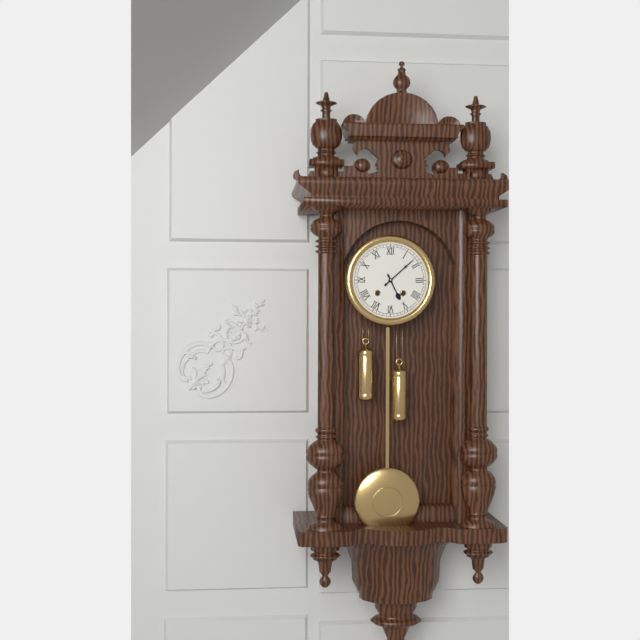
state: 5:08
